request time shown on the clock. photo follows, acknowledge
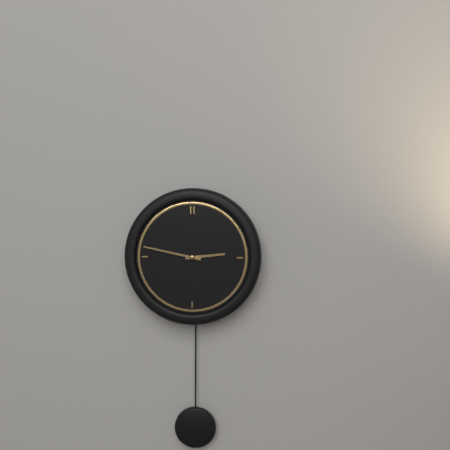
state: 2:47
